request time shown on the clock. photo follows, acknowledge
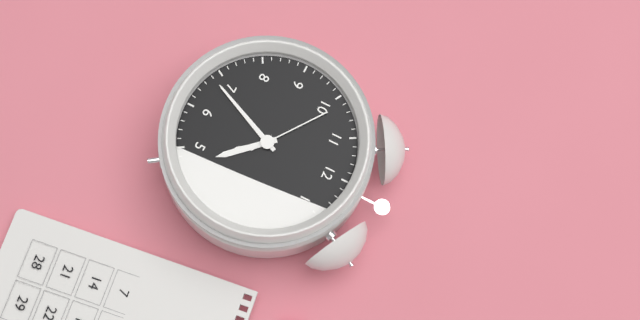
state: 4:34:51
